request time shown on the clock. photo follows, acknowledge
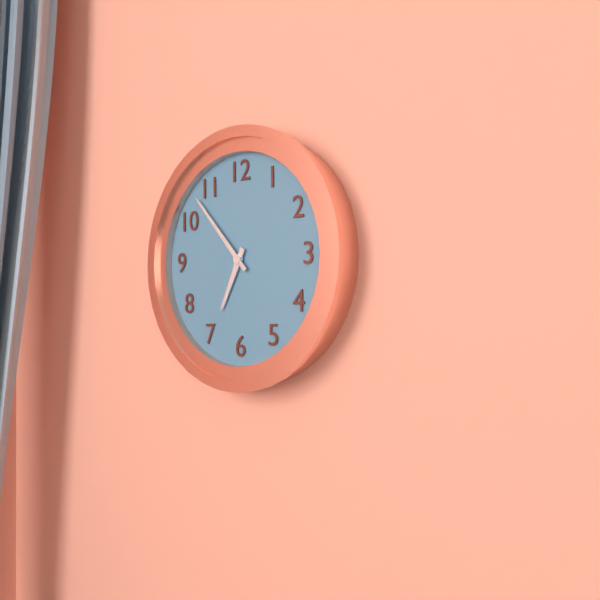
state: 6:53
